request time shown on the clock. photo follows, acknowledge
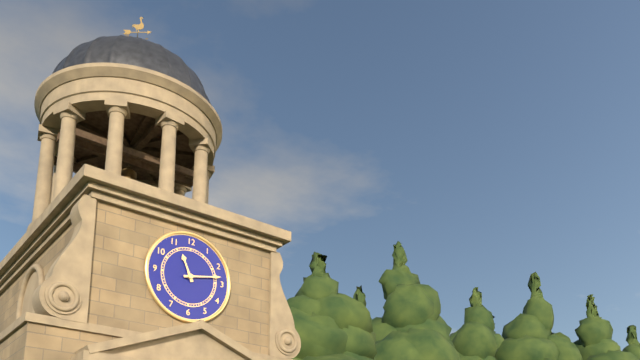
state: 11:13
